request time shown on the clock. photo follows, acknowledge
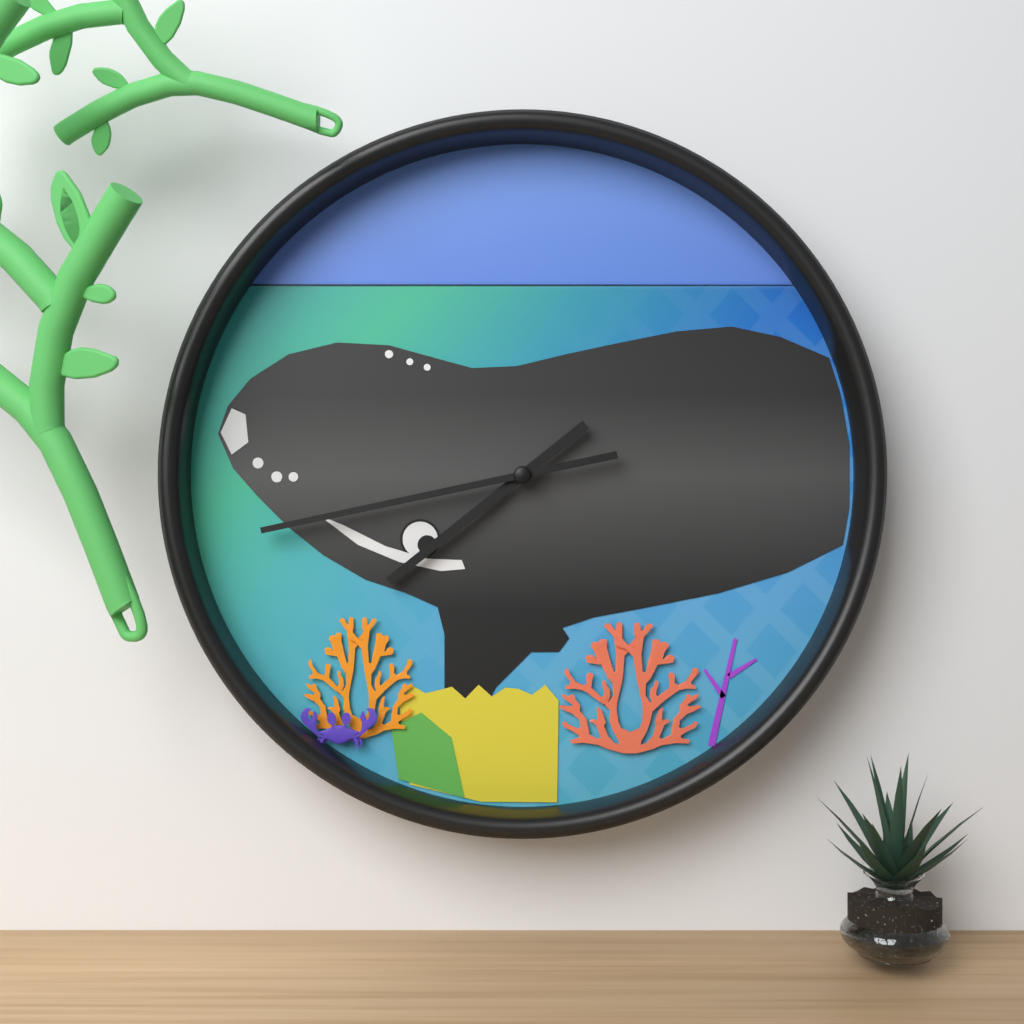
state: 7:43
